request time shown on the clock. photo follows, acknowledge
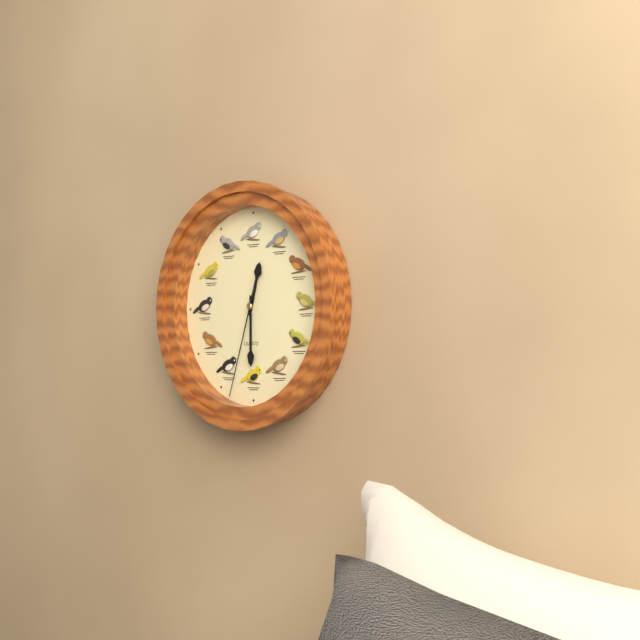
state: 12:30:33
